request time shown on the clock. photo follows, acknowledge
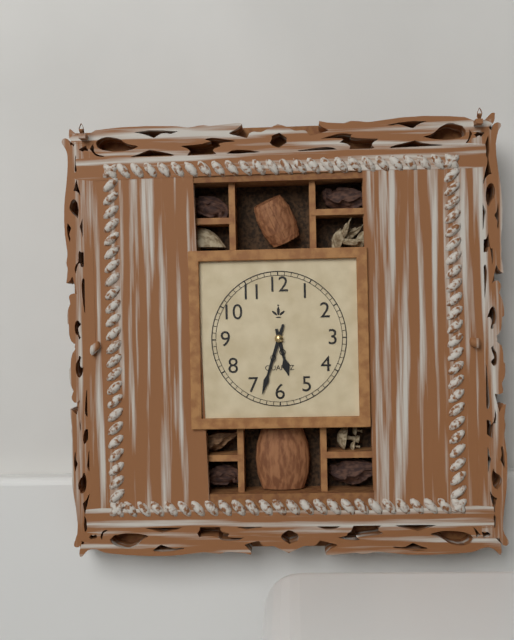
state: 5:33
